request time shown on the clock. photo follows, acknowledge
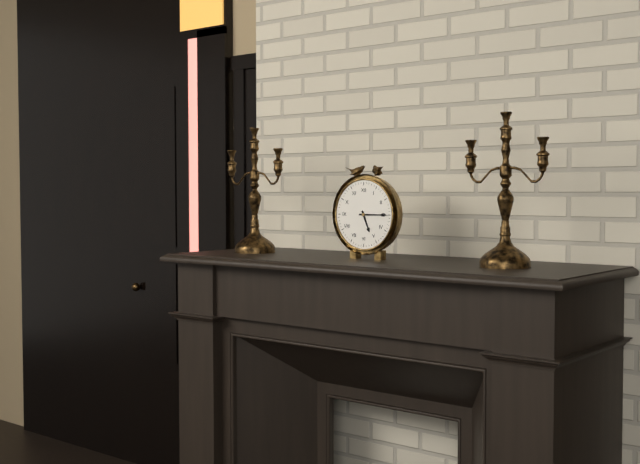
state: 5:15
